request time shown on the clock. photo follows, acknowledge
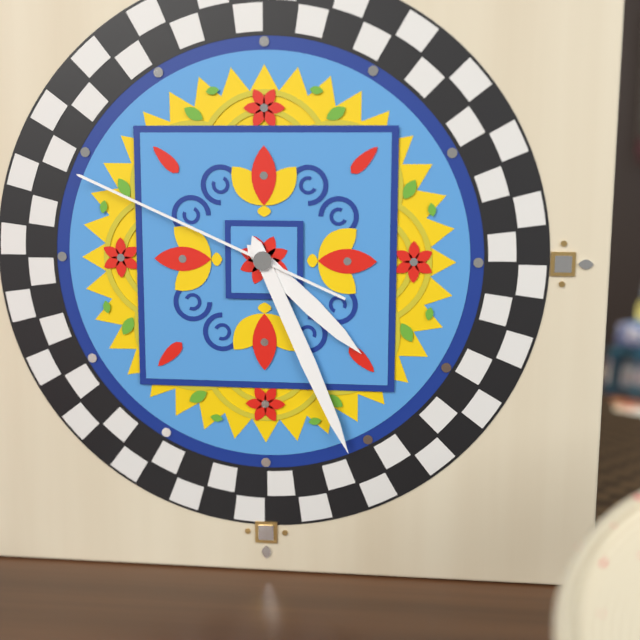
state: 4:26:49
